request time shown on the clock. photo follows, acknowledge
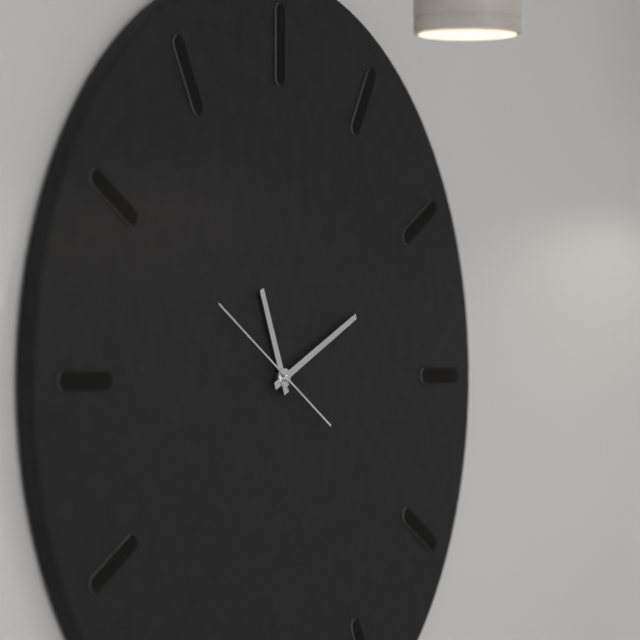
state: 11:11:50
